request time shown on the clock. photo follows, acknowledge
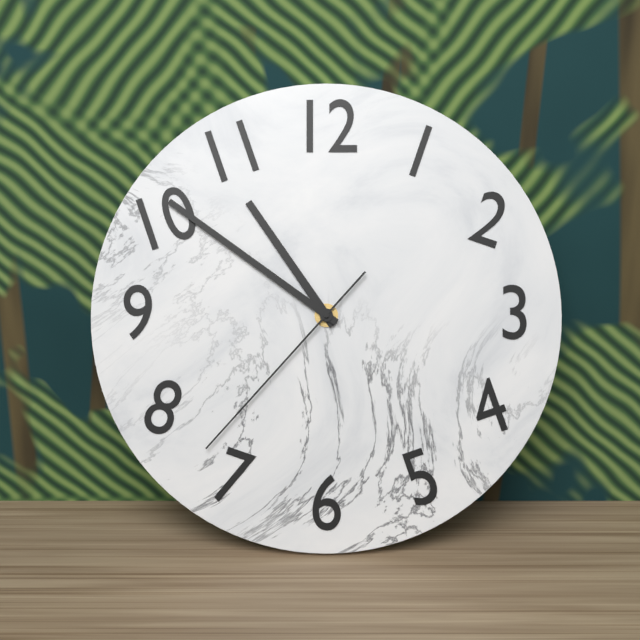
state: 10:51:37
